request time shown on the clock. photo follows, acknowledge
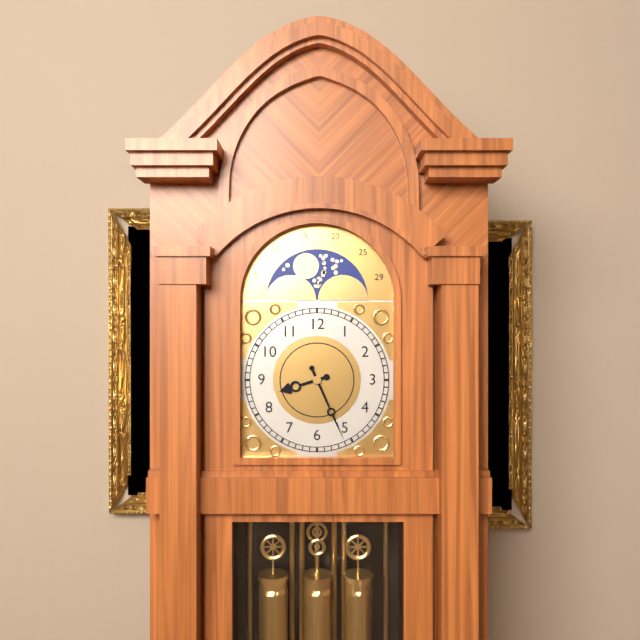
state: 8:26
